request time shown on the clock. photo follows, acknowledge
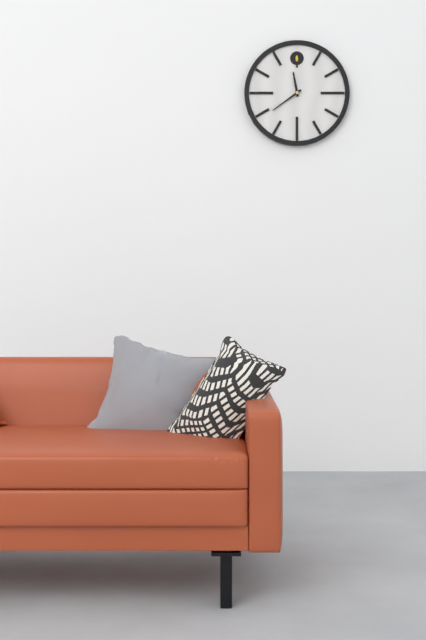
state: 11:39
